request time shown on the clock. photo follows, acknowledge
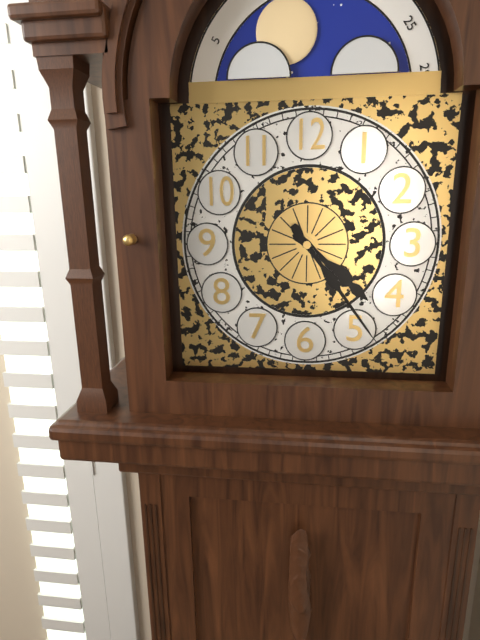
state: 4:24
